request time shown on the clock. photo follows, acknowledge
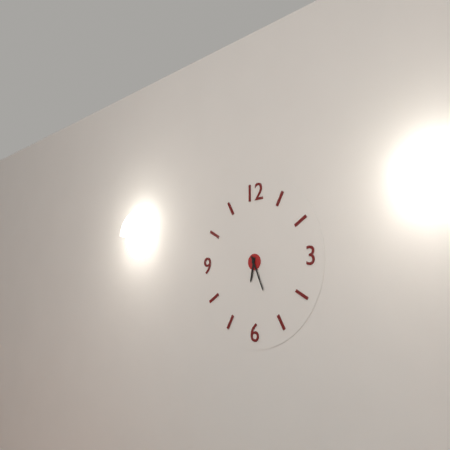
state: 6:26
